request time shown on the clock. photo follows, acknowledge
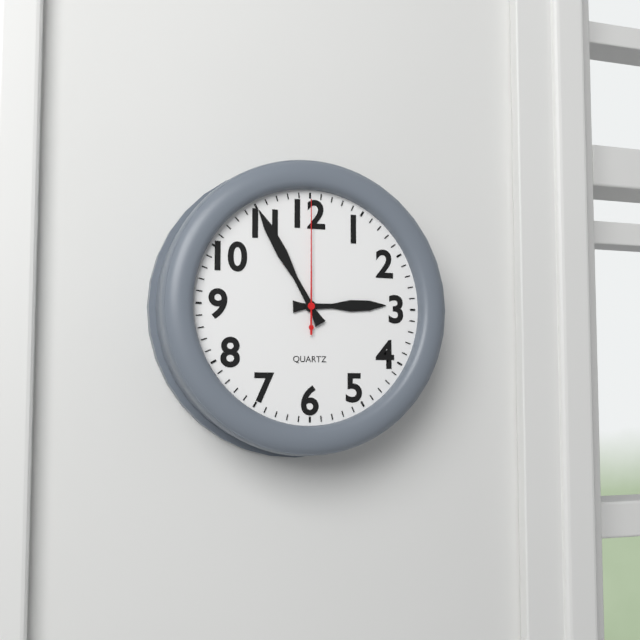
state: 2:55:00
